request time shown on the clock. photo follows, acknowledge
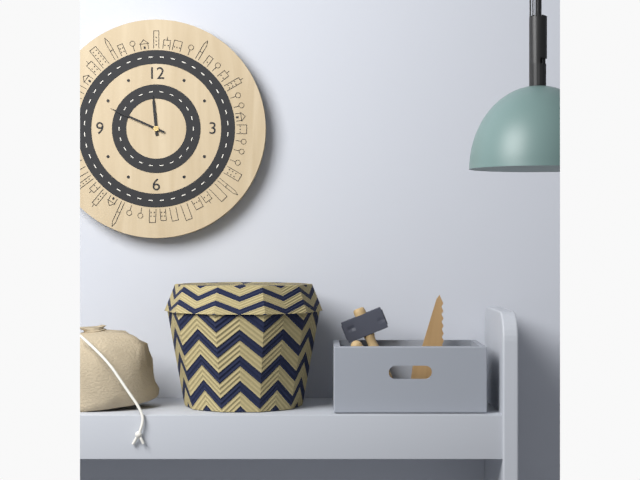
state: 11:49
